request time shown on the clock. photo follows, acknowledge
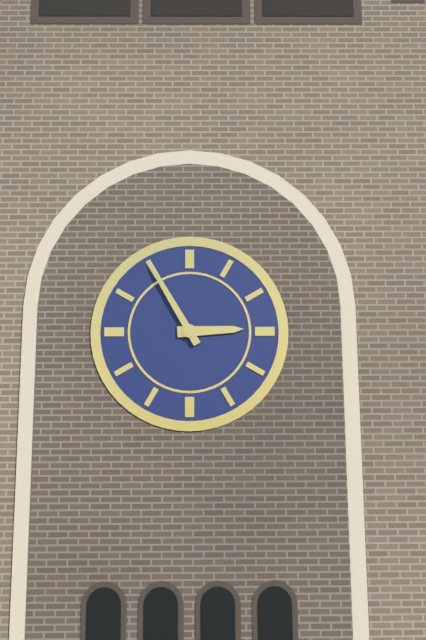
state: 2:55
